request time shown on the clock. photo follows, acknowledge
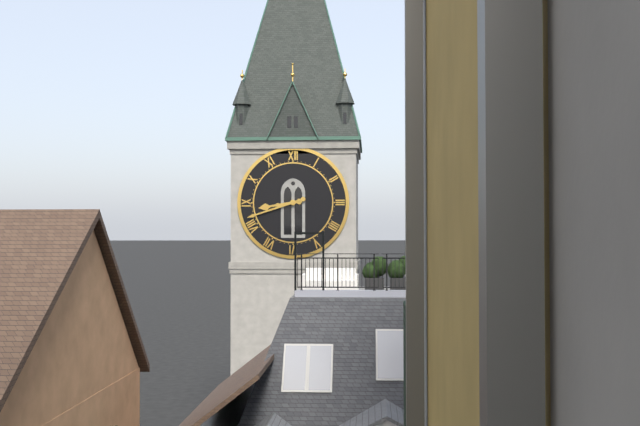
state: 8:42
